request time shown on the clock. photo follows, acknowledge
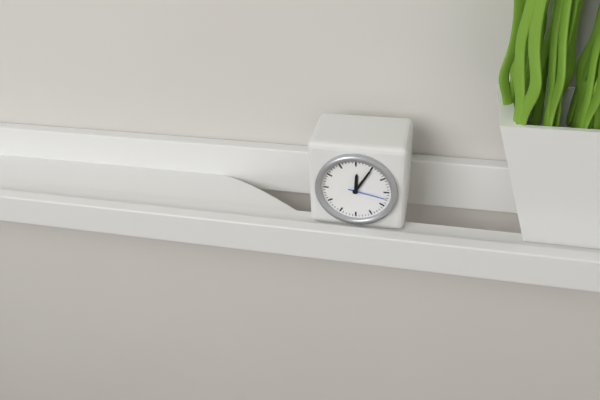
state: 12:05
